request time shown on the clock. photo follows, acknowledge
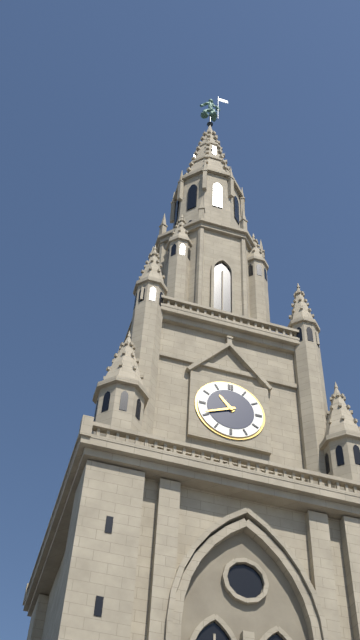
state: 10:41
